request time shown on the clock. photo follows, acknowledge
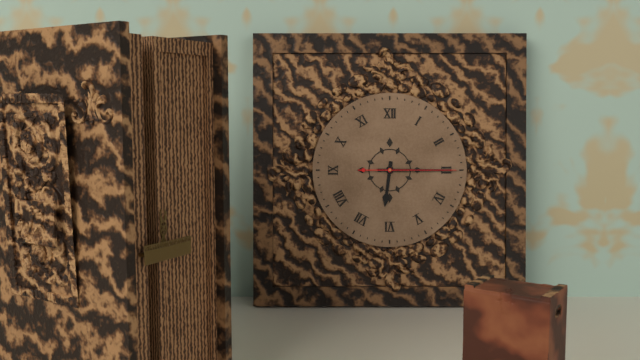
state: 6:15:15
